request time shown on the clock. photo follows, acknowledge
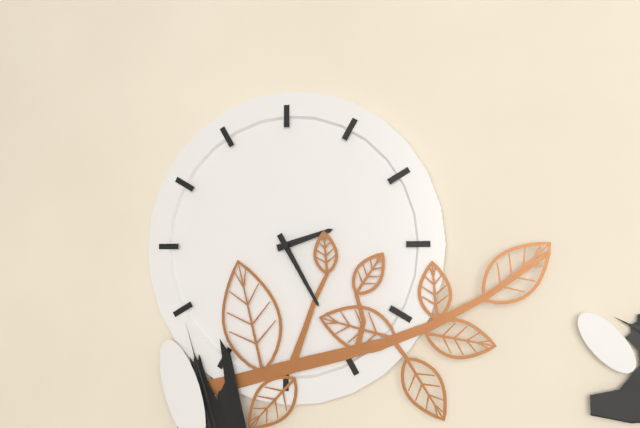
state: 2:25
